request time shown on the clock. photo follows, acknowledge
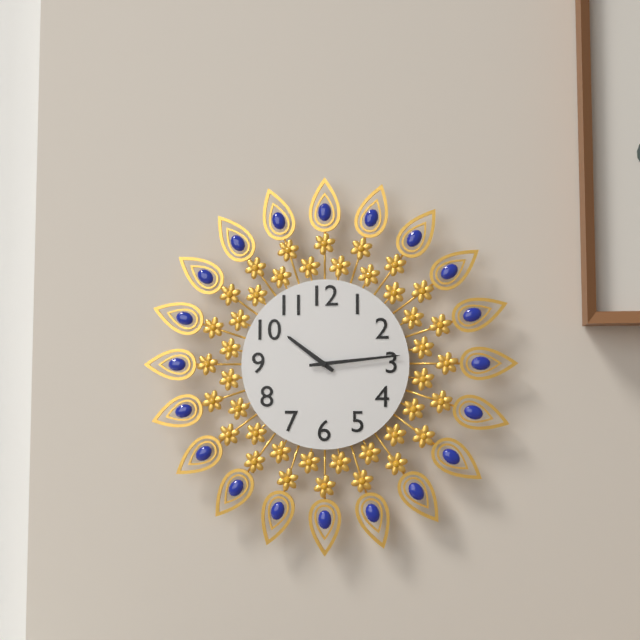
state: 10:14
